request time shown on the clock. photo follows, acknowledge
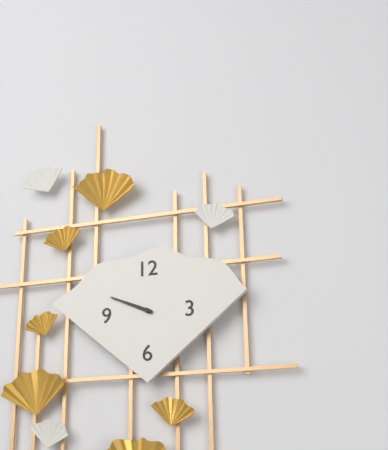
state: 9:49
